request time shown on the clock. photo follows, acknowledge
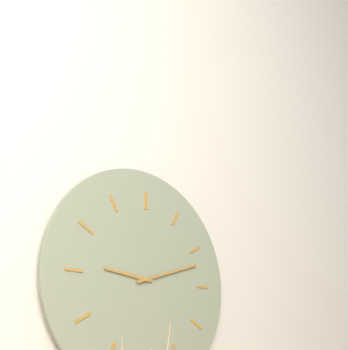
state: 9:12
